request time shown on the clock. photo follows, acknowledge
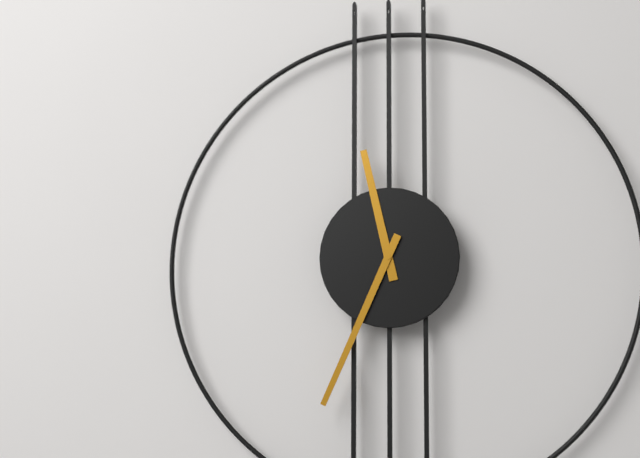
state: 11:34
